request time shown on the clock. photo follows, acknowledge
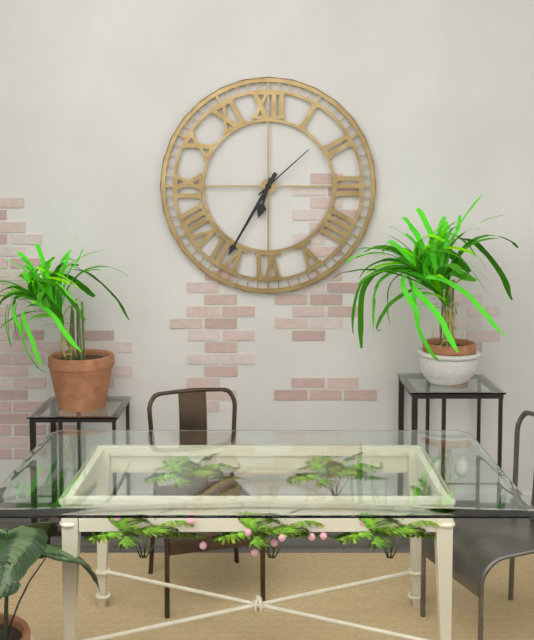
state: 6:35:08
